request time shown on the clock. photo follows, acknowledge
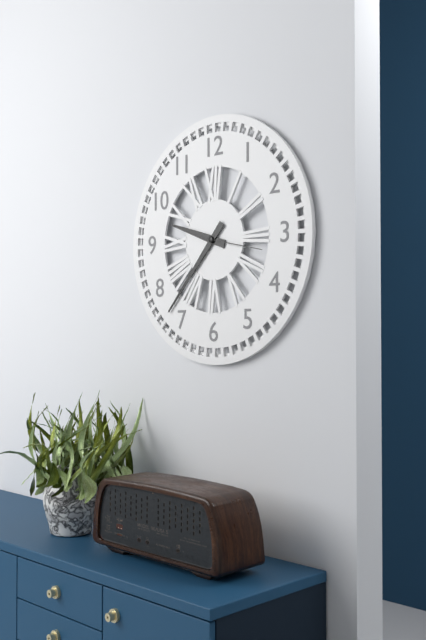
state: 9:37:17
